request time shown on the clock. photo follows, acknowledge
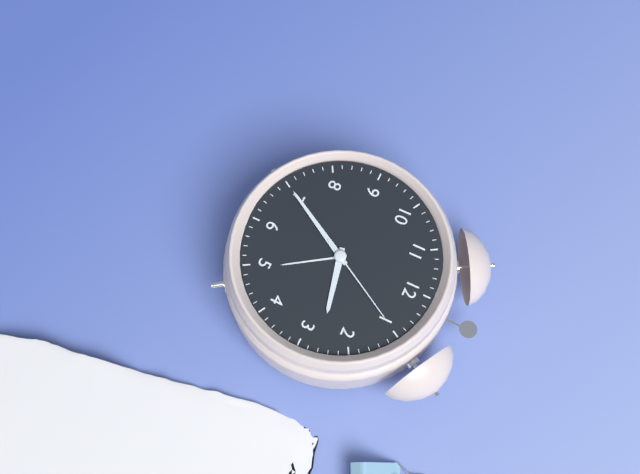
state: 2:35:05
